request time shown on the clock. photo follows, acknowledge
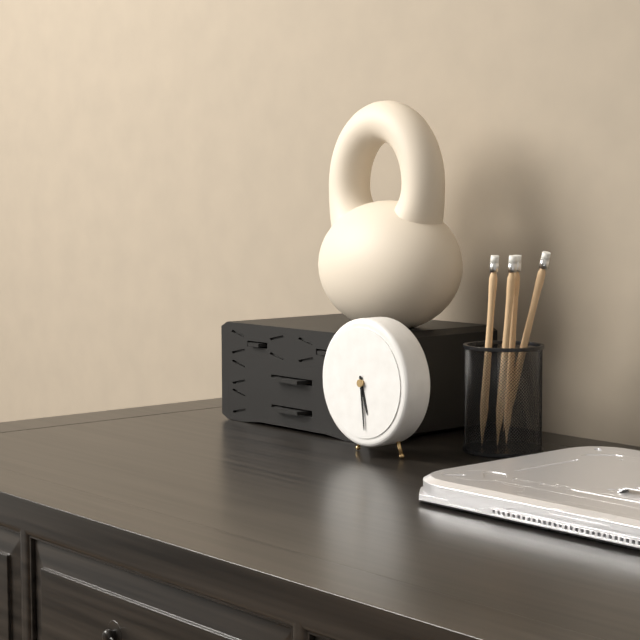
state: 5:29
